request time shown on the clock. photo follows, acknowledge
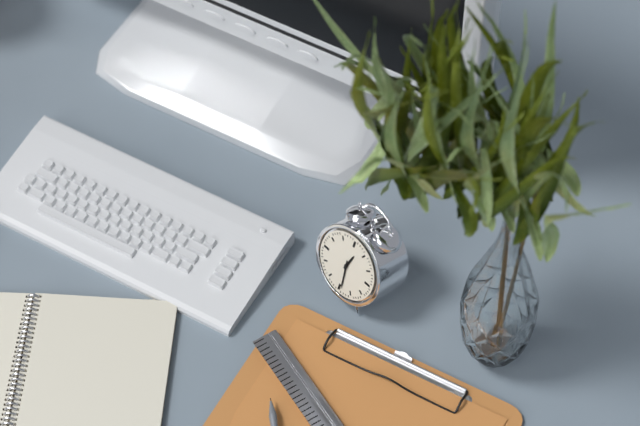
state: 12:29
